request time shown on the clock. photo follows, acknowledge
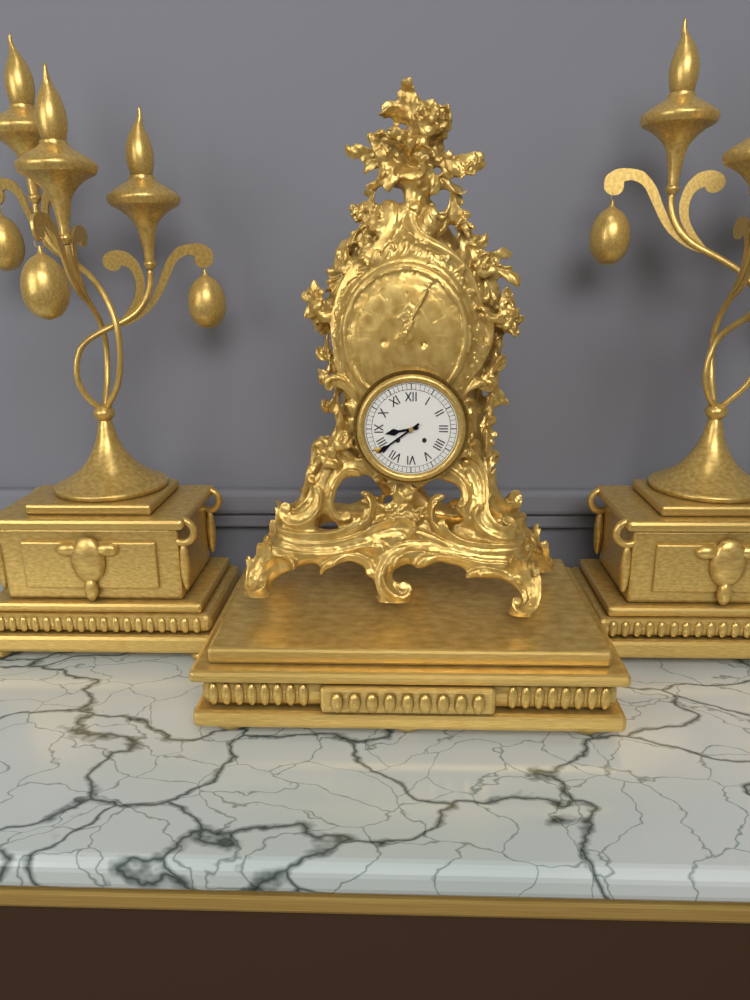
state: 8:39
